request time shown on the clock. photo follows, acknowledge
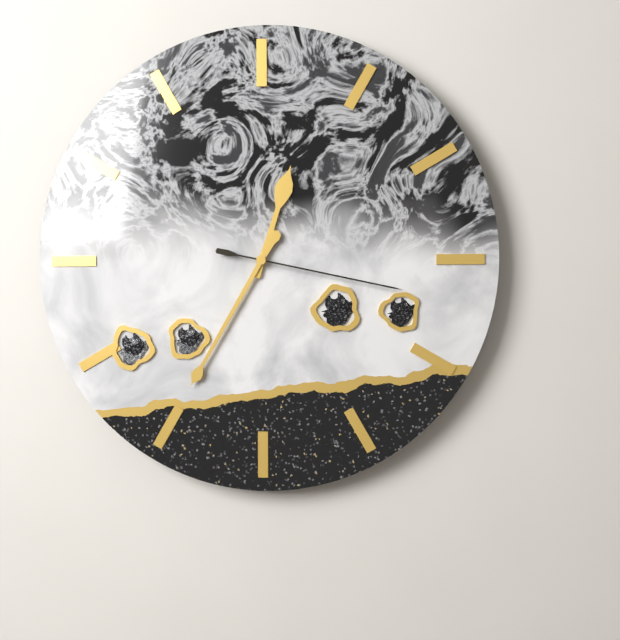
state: 12:35:17
